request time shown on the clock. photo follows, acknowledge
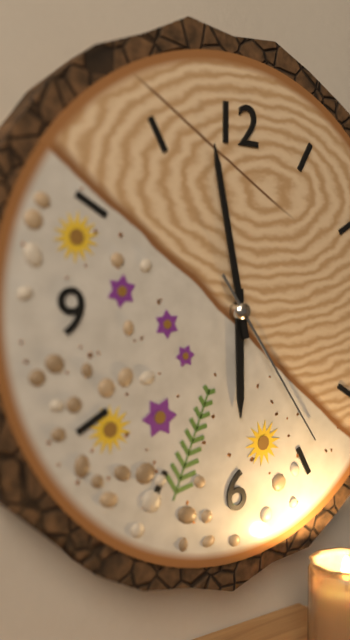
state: 5:58:24
